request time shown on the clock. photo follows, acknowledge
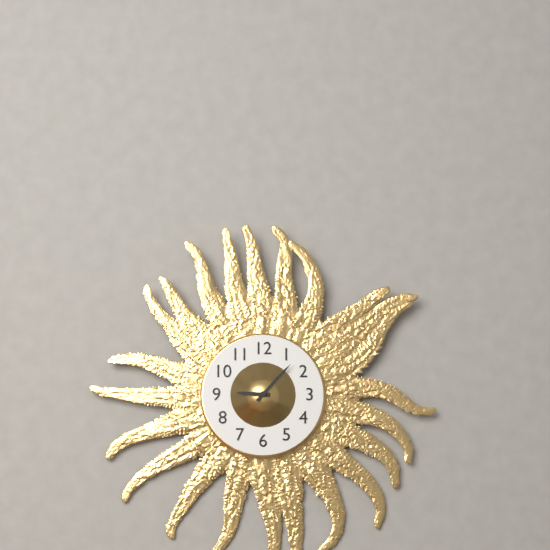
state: 9:07
